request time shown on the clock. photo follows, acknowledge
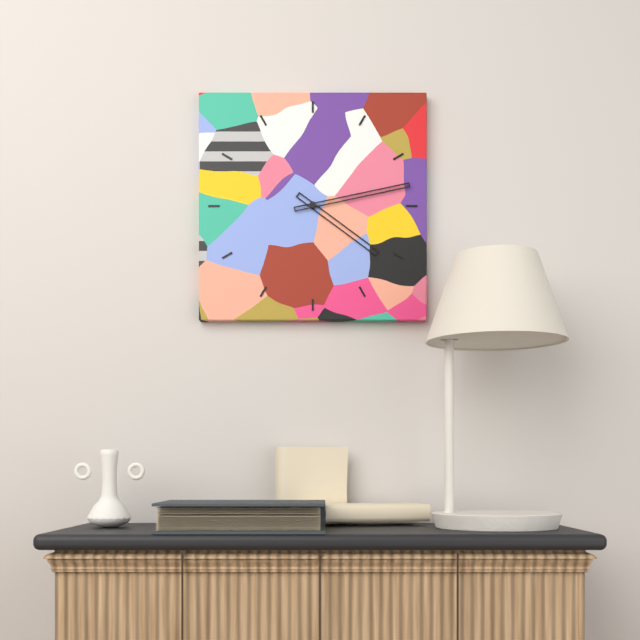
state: 4:13
